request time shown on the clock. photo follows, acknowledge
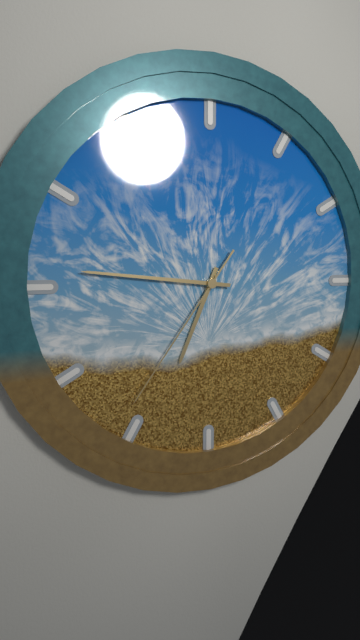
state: 6:46:36
